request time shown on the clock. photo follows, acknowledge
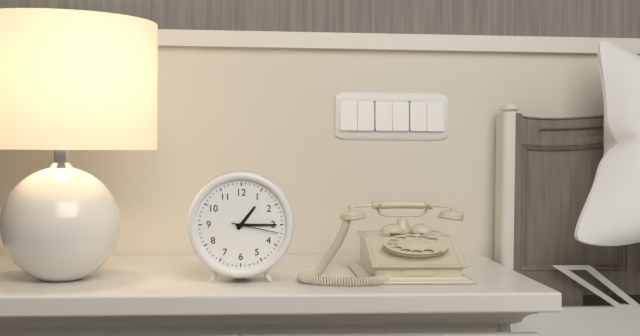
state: 1:15
